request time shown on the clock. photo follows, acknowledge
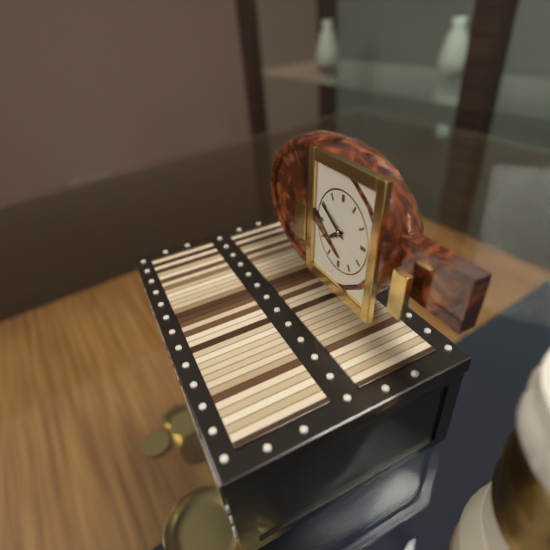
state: 7:50
